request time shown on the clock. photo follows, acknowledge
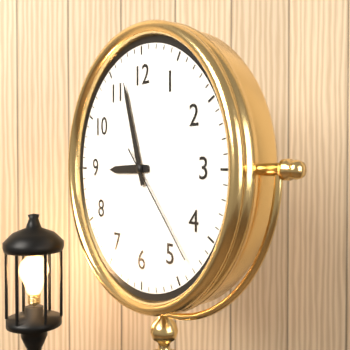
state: 8:57:23
